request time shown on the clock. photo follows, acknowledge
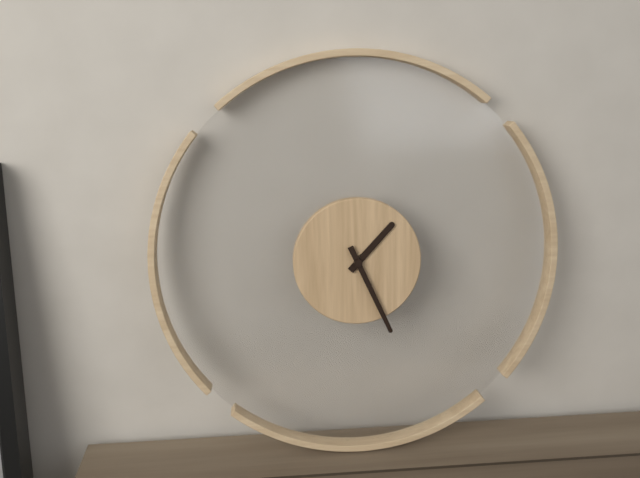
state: 1:26
